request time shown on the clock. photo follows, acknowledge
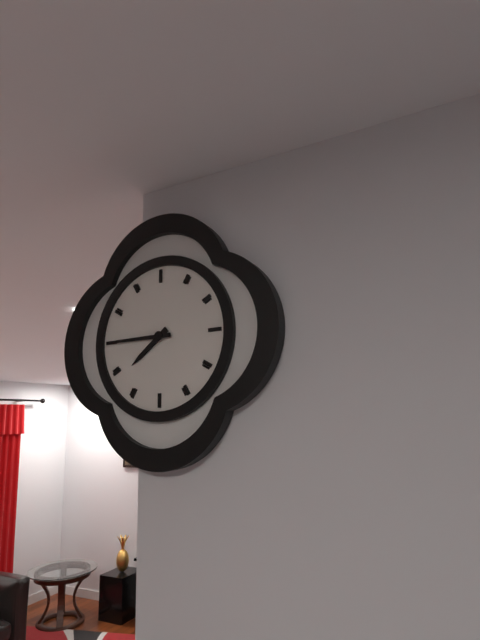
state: 7:45
